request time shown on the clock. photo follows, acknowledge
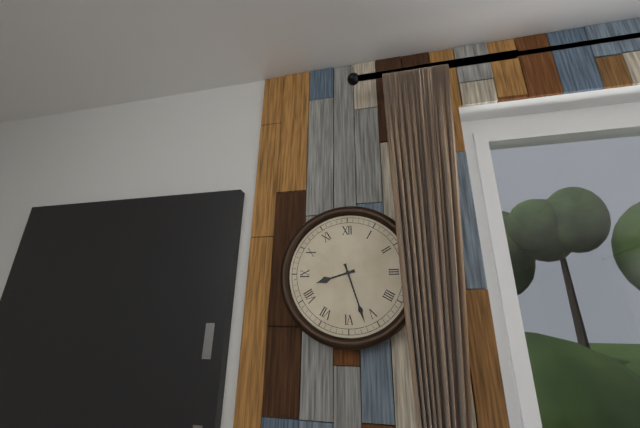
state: 8:27
